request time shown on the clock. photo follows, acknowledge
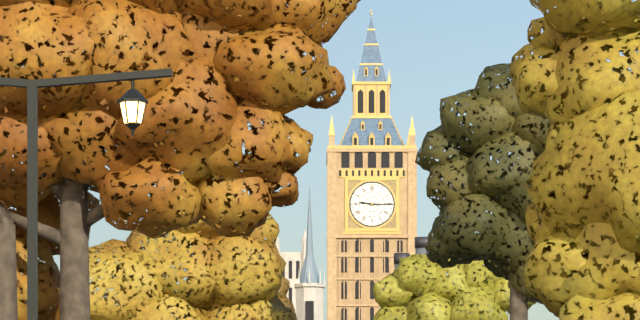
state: 9:15
